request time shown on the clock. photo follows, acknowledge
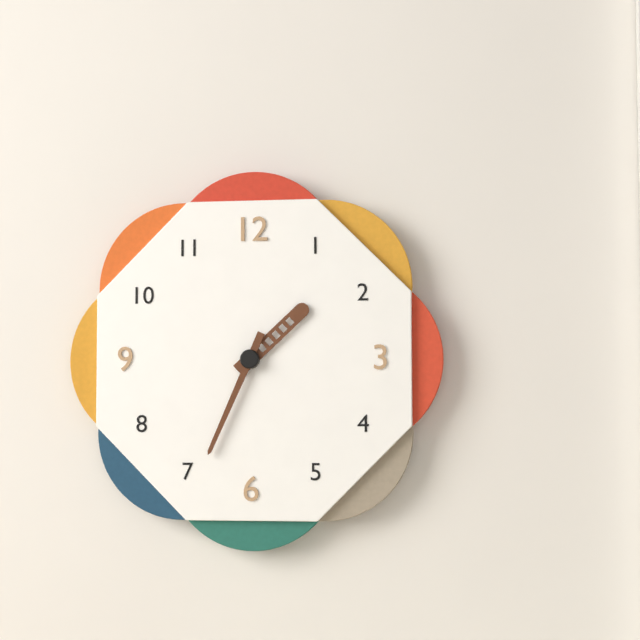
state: 1:34
